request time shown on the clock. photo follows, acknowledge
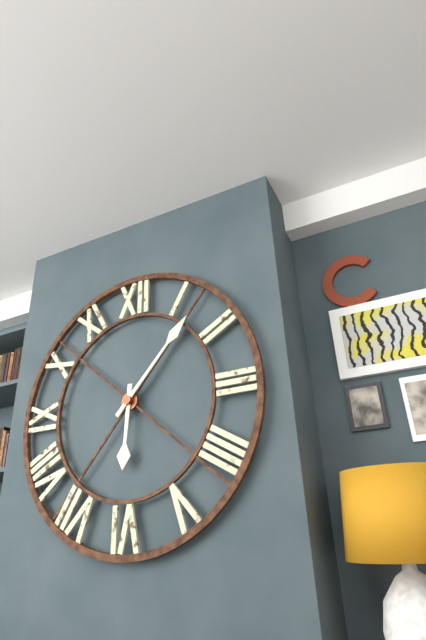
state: 6:07
